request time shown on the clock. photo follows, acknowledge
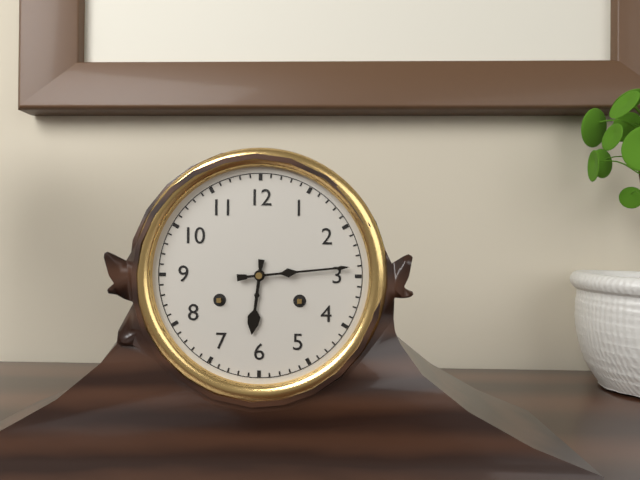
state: 6:14
